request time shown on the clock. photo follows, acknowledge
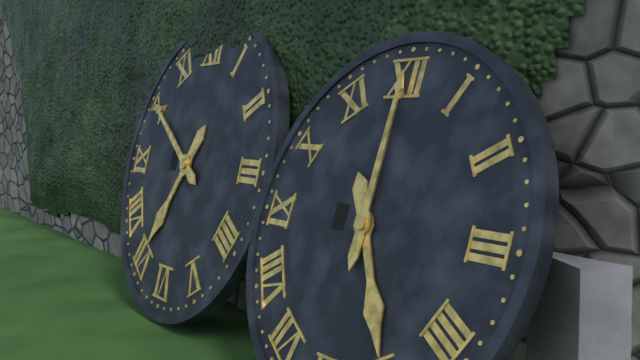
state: 5:00
